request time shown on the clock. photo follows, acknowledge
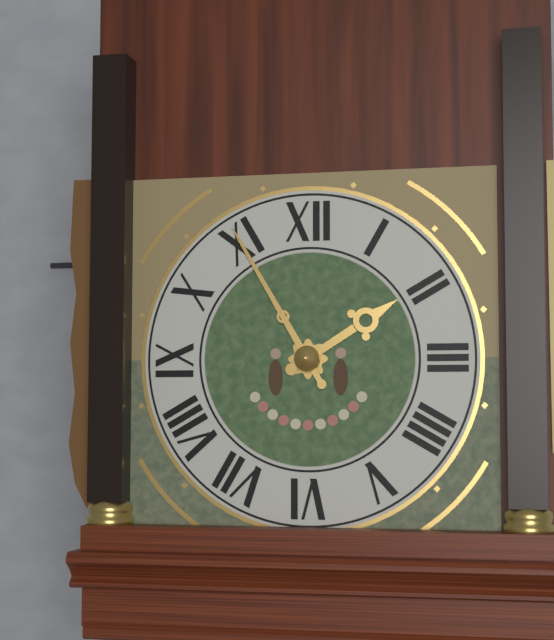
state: 1:55
